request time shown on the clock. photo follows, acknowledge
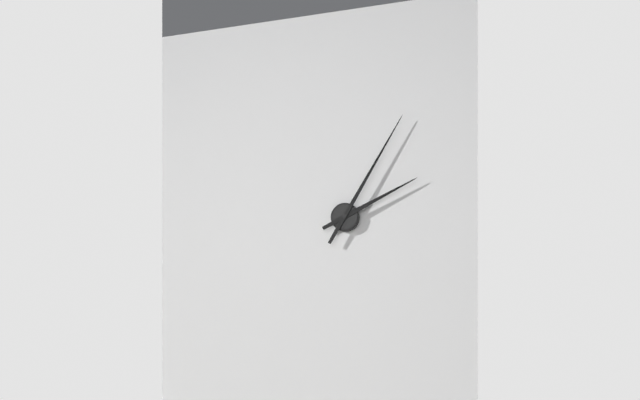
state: 2:05
